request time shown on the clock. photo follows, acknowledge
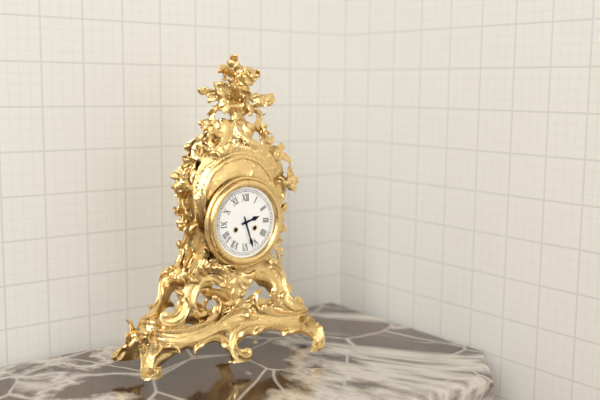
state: 2:27
